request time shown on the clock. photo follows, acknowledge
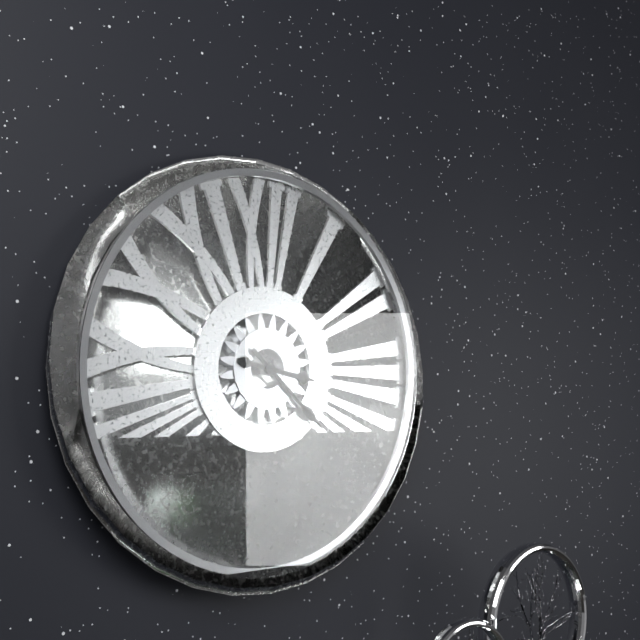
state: 3:22
